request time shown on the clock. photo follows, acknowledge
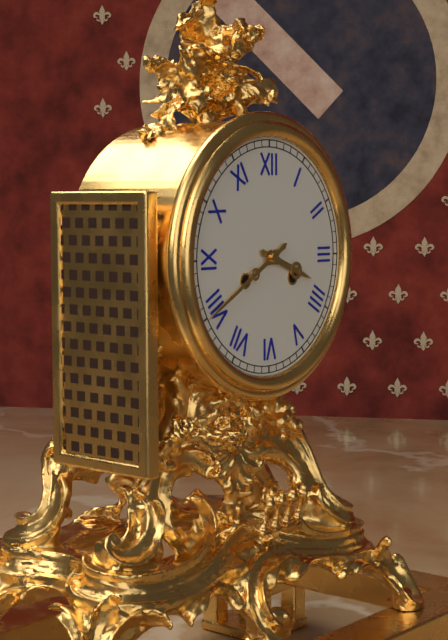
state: 3:40
